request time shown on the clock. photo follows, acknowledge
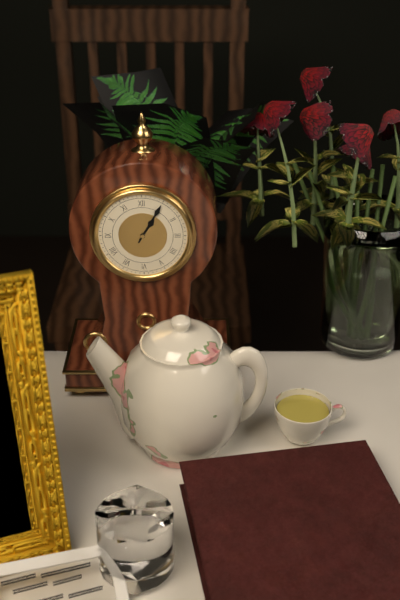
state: 1:05
